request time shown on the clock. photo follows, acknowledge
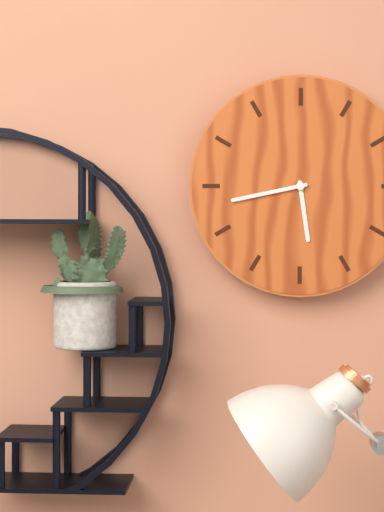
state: 5:43
